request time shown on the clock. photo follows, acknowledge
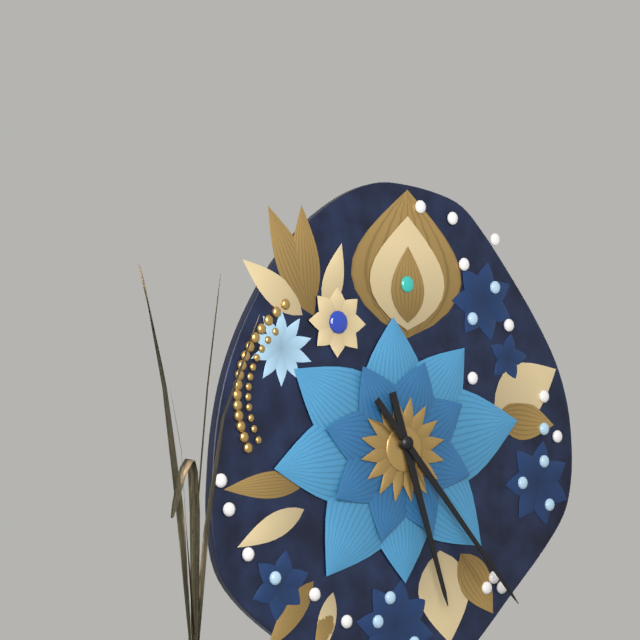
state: 5:23
